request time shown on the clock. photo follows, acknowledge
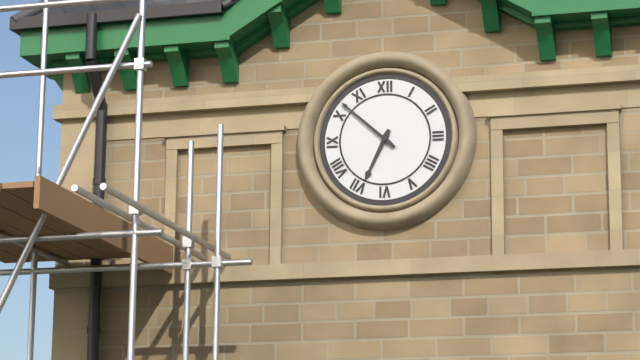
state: 6:52
